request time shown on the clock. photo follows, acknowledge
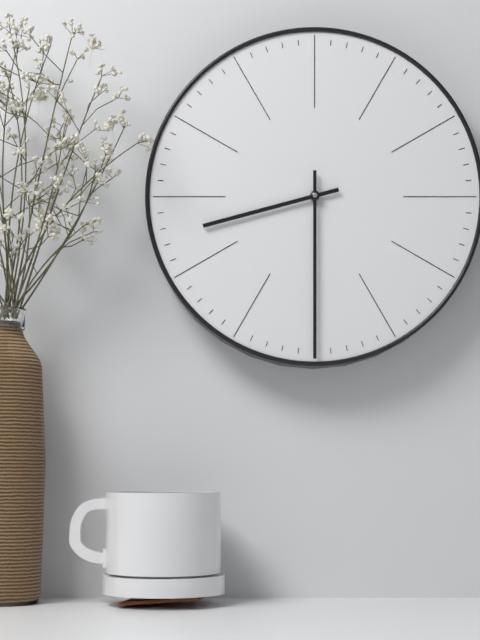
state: 8:30
